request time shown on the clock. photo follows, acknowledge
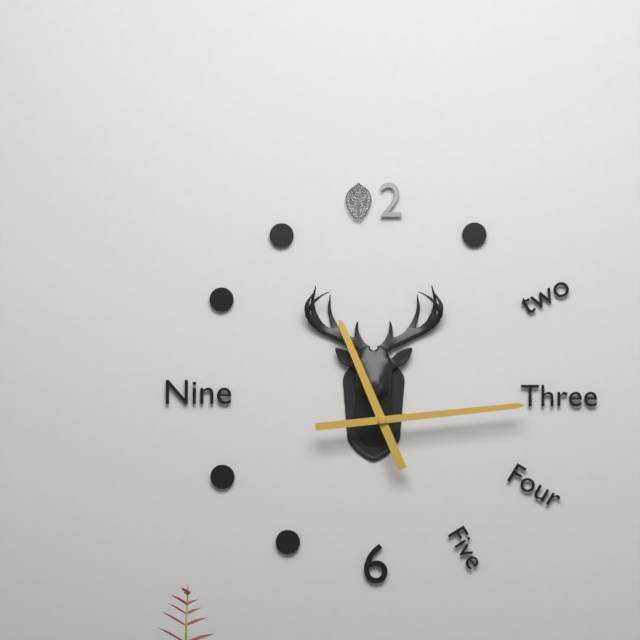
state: 11:14
